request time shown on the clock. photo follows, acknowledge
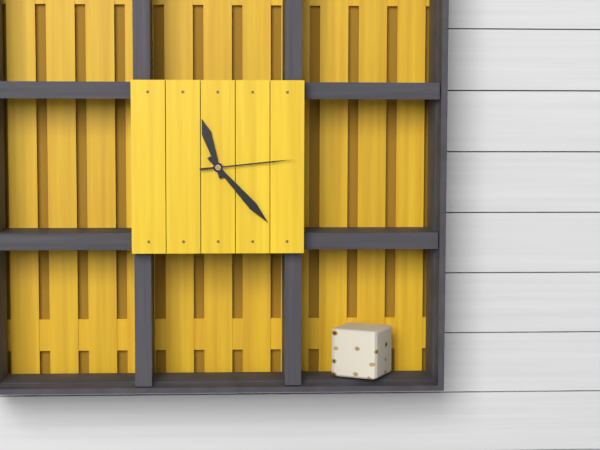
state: 11:23:14
